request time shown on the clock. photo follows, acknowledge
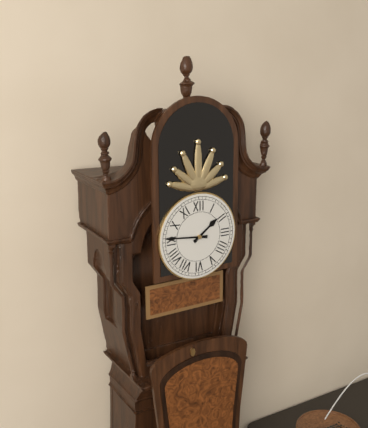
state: 1:46
